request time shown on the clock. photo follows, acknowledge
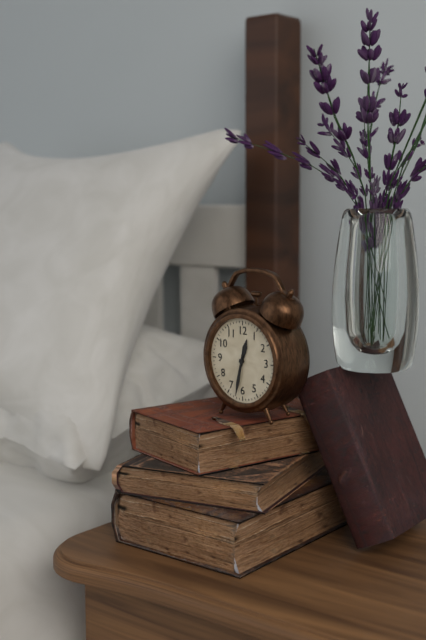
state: 12:32
